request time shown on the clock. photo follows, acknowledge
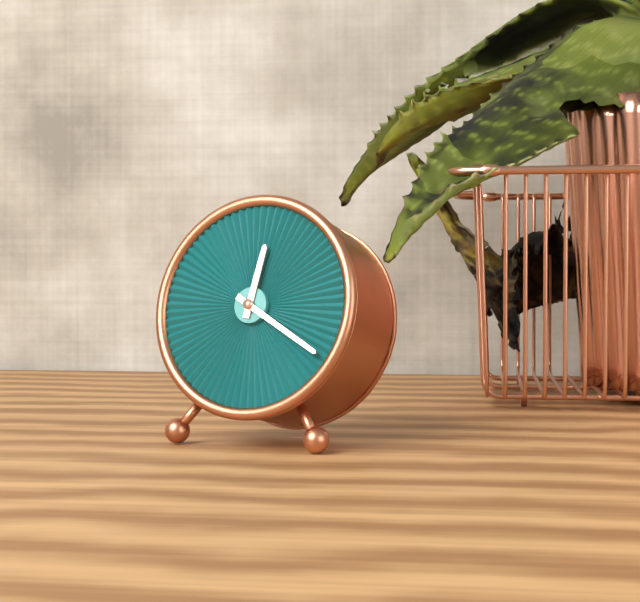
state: 12:20
